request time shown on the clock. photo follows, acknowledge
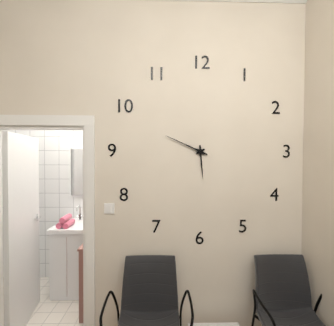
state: 5:49
